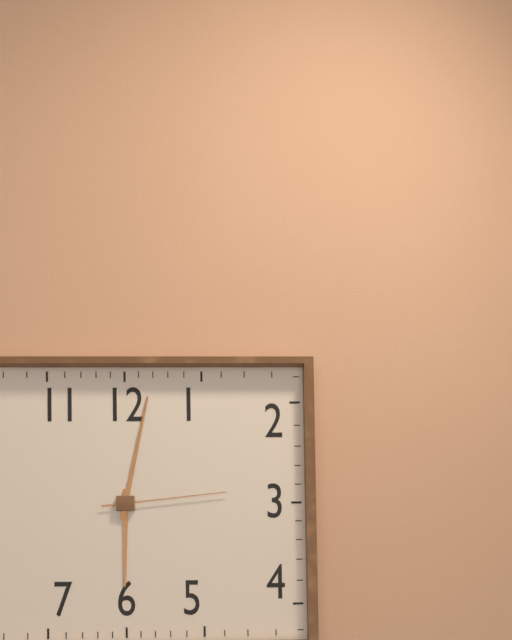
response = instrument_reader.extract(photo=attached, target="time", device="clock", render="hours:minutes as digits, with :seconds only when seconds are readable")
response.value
6:02:14
